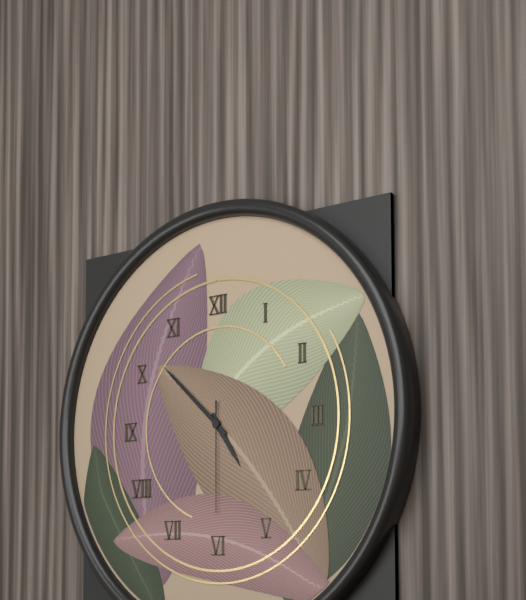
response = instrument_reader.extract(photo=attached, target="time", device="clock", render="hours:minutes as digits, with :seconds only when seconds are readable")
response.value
4:52:30
